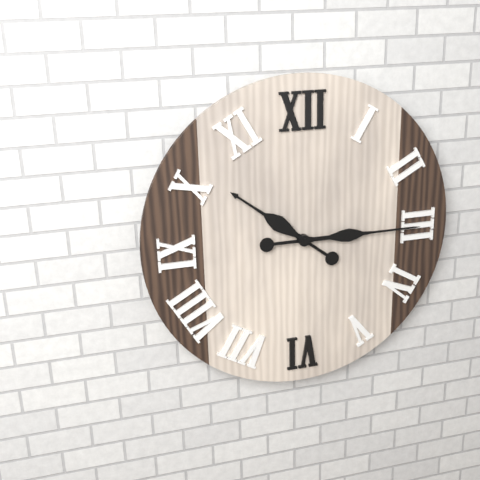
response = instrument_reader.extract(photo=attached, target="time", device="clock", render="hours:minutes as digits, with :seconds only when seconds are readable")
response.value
10:15
